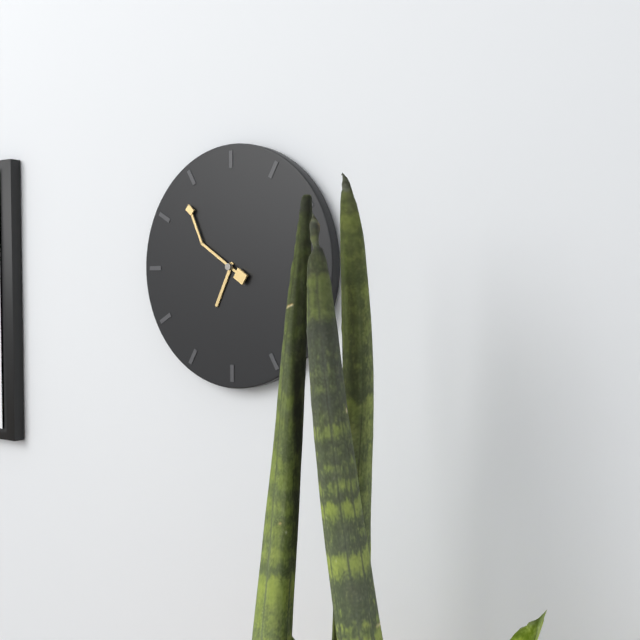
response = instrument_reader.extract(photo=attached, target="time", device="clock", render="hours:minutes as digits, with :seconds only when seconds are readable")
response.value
6:53
